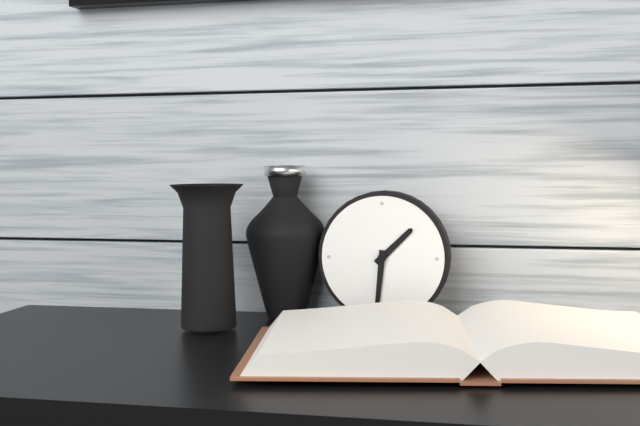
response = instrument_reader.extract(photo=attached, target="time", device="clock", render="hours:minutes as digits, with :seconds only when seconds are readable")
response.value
1:31
